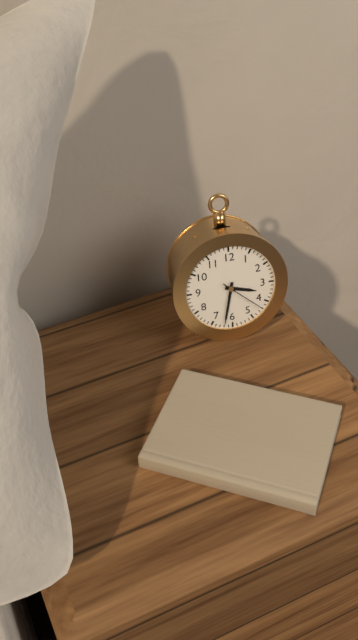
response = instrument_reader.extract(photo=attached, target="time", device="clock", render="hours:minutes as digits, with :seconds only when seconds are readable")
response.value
3:32
